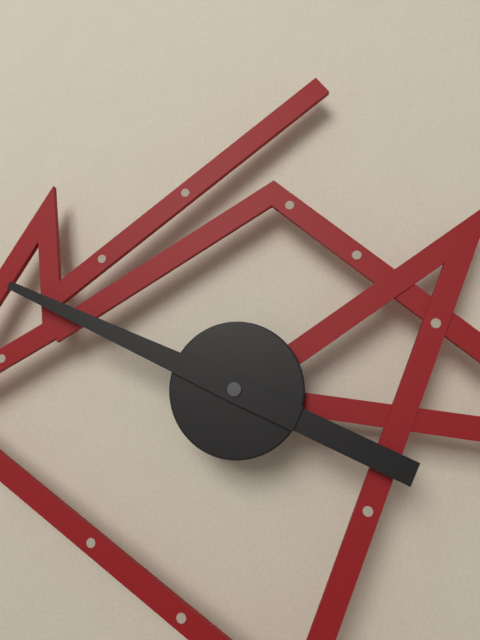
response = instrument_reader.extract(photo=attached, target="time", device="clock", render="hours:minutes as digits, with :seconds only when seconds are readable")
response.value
3:49
